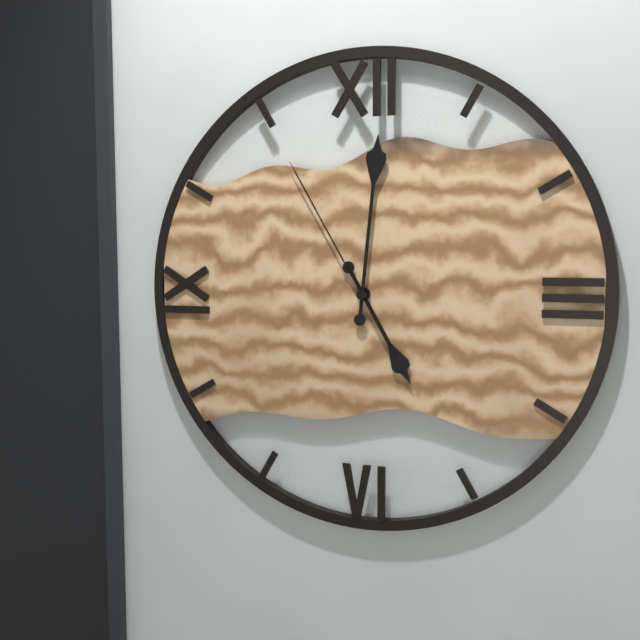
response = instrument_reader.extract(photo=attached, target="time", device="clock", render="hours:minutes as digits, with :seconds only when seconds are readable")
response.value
5:01:55
